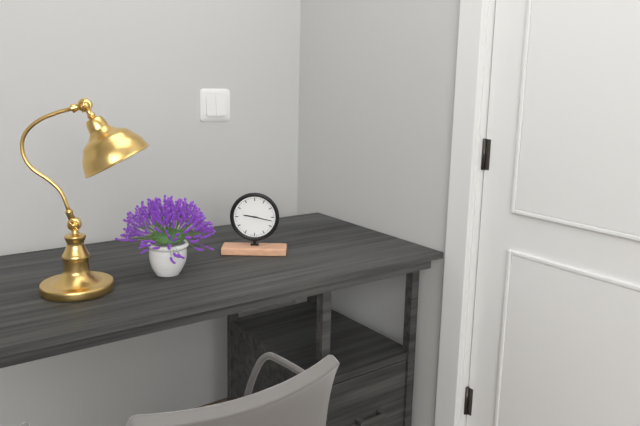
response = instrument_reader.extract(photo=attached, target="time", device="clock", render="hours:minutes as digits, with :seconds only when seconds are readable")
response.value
9:17
